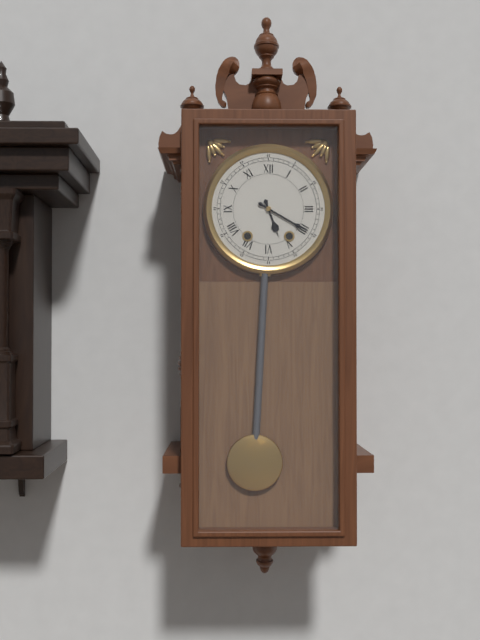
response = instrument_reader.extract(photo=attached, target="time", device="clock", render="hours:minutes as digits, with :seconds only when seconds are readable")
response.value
5:20
